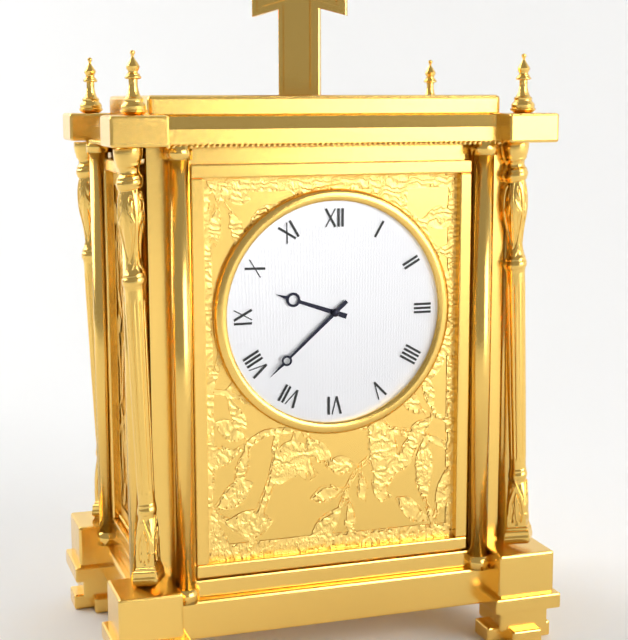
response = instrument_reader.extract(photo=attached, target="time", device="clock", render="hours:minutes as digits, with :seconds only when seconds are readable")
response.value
9:38
